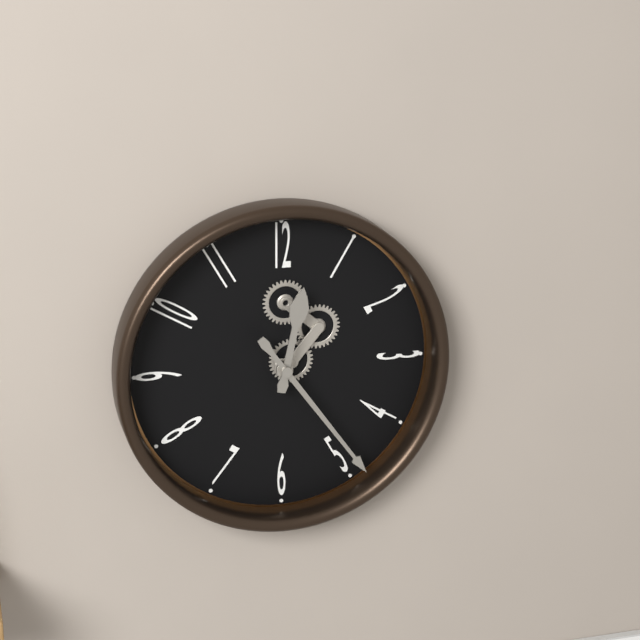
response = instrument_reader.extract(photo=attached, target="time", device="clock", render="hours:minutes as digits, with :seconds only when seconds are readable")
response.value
12:24
